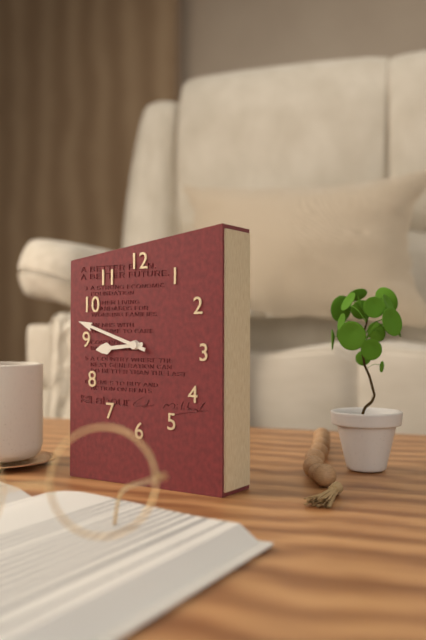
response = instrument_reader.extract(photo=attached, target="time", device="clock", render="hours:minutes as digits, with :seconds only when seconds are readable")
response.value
8:48
